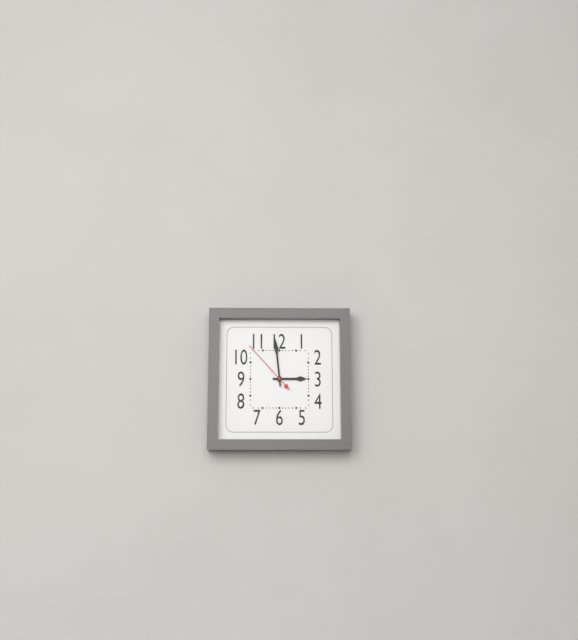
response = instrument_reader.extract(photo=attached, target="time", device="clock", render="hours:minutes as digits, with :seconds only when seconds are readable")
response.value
2:59:53
